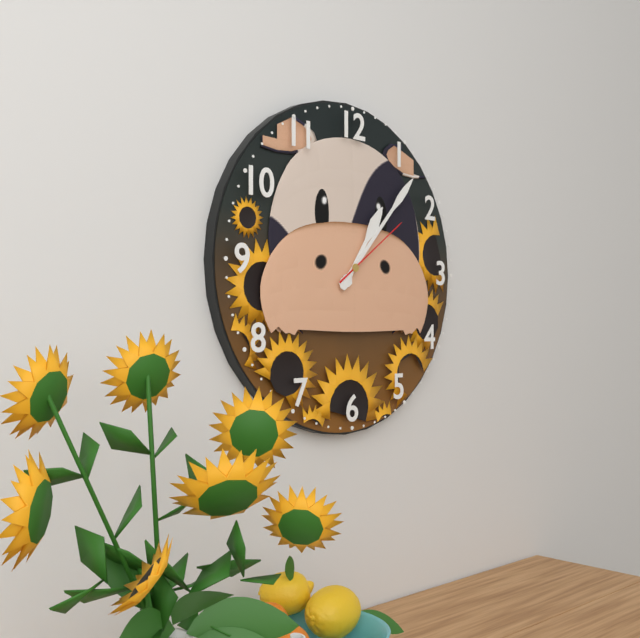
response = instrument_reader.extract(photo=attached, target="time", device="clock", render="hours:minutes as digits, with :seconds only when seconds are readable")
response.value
1:07:09
